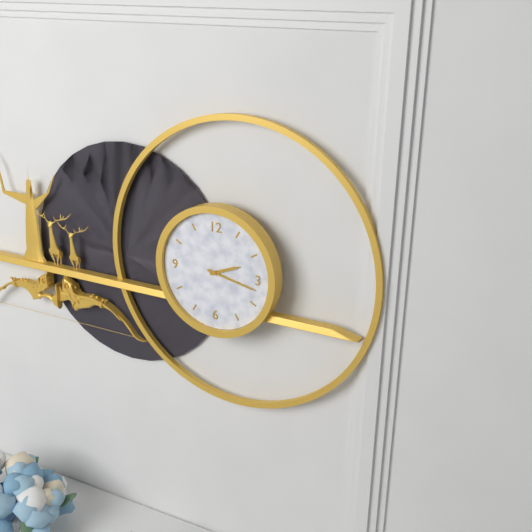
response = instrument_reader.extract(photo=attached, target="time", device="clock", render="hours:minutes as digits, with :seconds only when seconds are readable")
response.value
2:17
